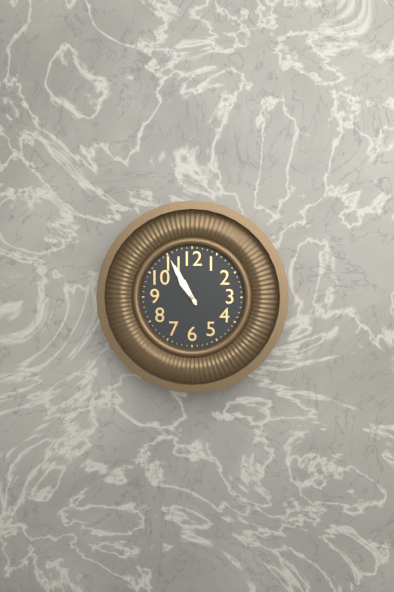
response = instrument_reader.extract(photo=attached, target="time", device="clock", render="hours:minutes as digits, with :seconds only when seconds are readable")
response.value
10:55
